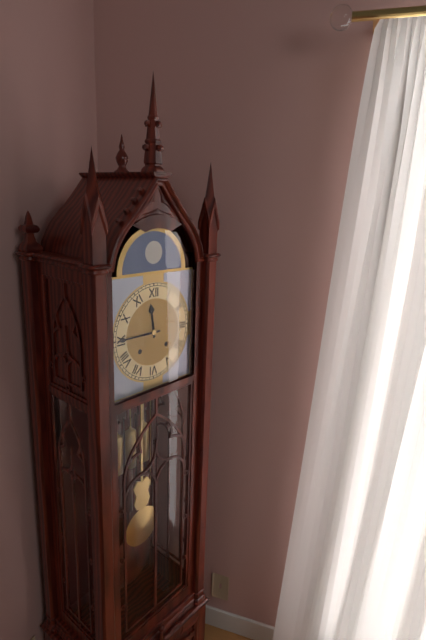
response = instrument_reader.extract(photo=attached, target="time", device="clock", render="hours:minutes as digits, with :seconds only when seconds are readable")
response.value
11:45
